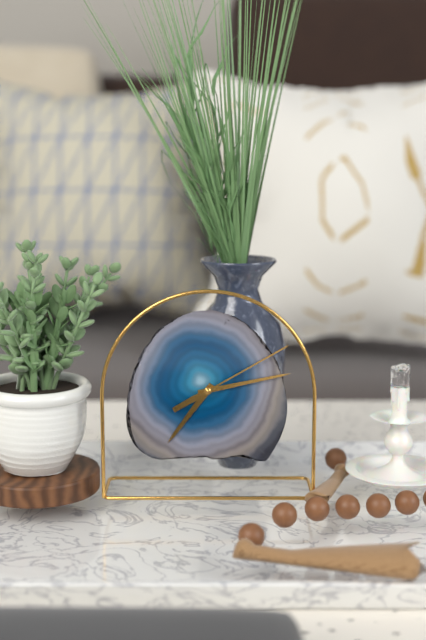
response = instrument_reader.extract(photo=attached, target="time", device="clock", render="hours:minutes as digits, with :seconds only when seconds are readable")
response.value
7:13:10
